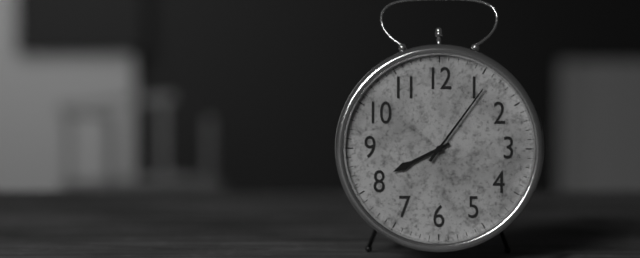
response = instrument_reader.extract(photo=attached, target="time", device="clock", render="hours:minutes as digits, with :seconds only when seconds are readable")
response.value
8:06
